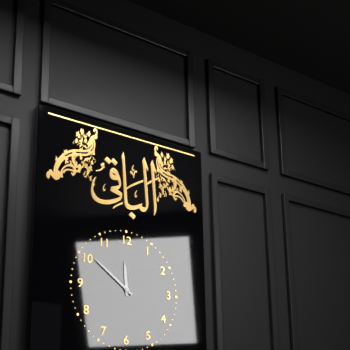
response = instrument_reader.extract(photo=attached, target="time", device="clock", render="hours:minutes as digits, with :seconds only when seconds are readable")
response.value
11:51
